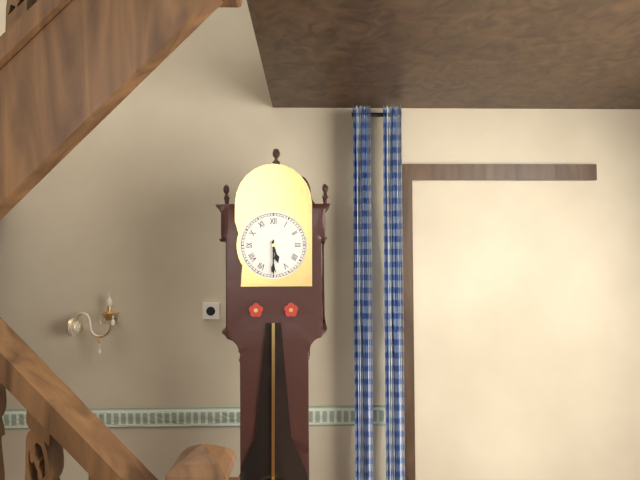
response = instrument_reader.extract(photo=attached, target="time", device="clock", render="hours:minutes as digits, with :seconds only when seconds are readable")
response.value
5:30
